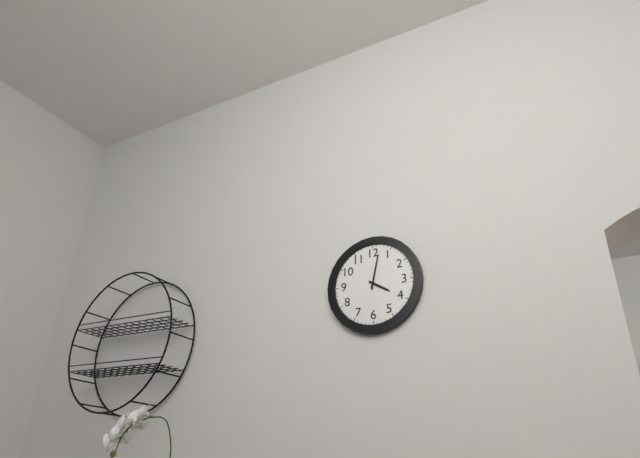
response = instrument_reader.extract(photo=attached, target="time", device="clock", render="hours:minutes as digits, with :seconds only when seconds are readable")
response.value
4:02
